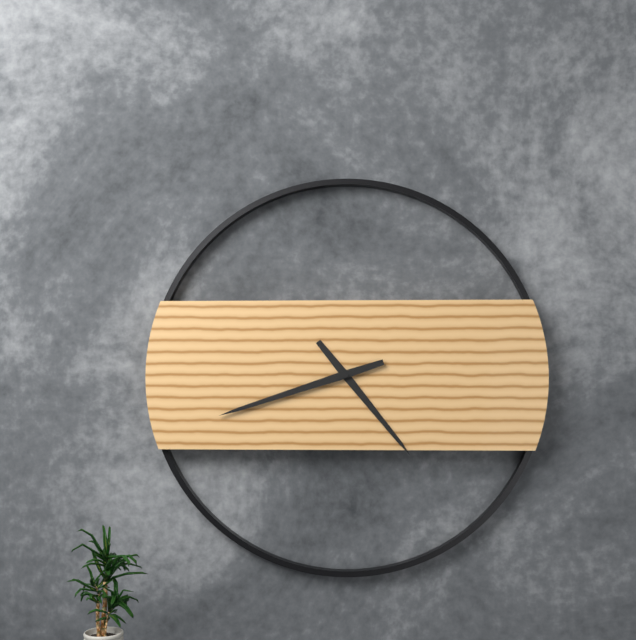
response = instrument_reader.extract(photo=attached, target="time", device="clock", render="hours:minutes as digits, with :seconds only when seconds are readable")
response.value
4:42
